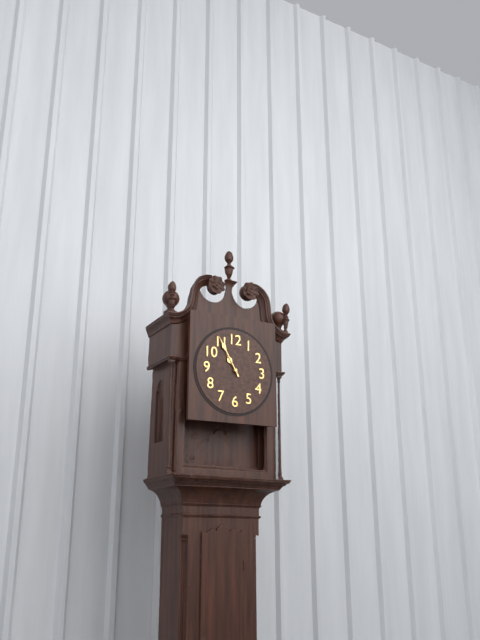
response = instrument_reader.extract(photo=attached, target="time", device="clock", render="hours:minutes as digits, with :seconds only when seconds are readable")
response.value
10:55
